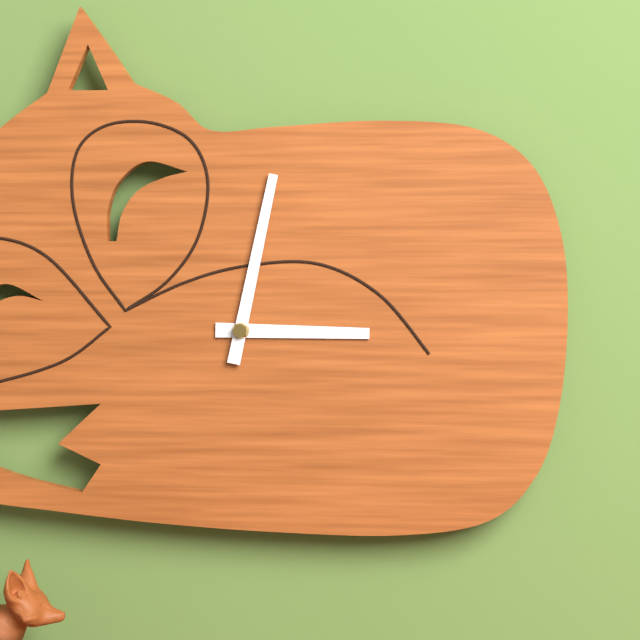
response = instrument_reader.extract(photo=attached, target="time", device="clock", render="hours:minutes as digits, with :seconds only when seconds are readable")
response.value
3:02
